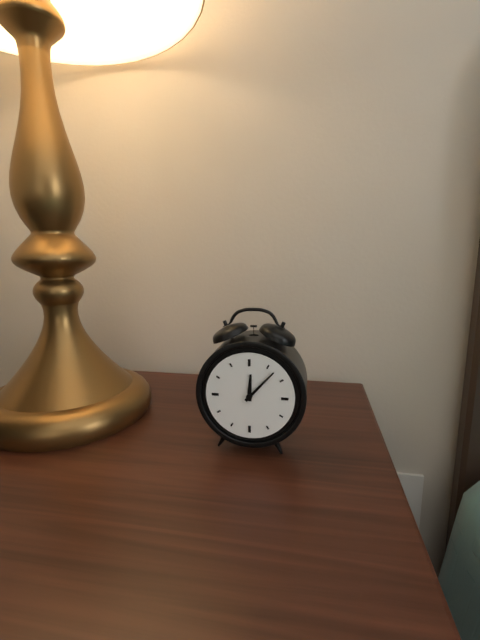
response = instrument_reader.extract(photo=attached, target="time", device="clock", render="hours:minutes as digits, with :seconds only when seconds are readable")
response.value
12:07
